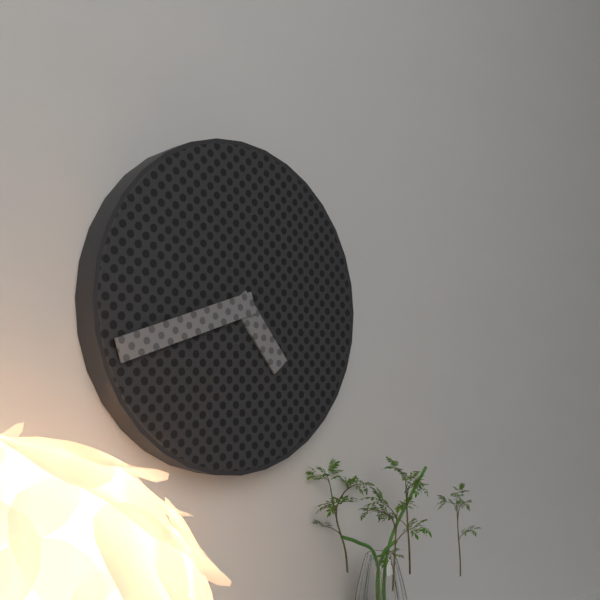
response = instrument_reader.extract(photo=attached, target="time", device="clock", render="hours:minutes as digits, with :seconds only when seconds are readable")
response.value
4:42
